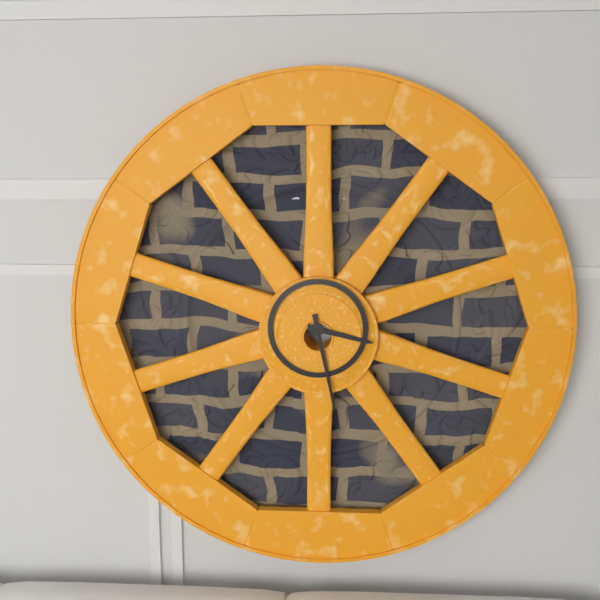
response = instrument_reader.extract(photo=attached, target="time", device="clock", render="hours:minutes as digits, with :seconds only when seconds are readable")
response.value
3:28
